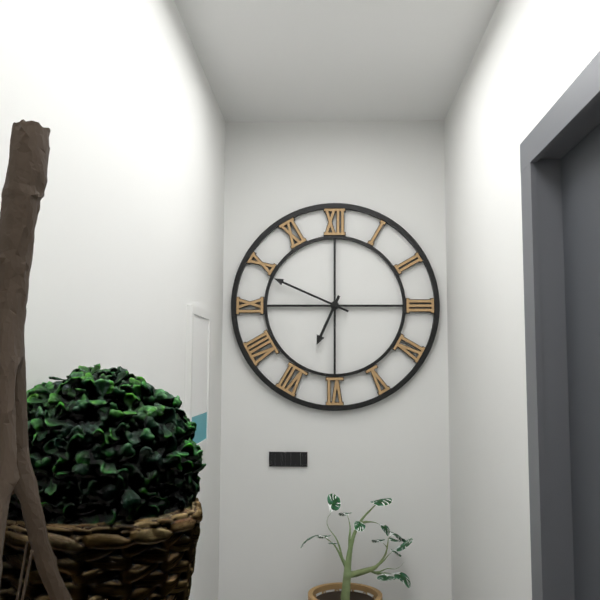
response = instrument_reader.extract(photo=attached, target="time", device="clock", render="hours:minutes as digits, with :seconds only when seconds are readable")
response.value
6:49
